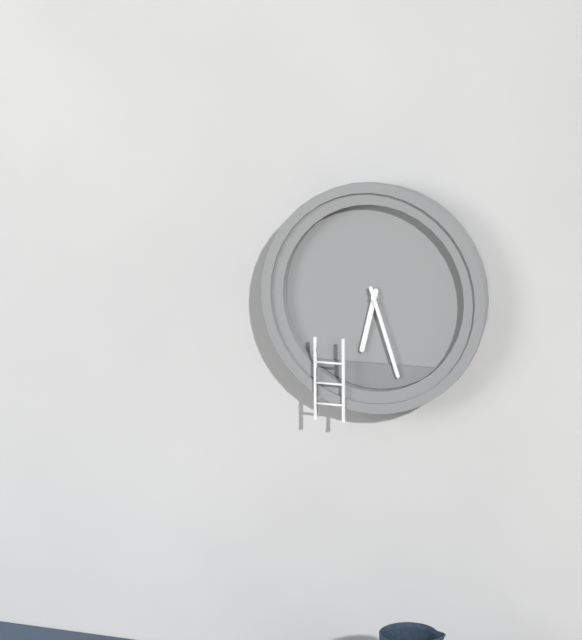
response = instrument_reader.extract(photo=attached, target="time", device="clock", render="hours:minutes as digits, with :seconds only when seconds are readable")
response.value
6:27
